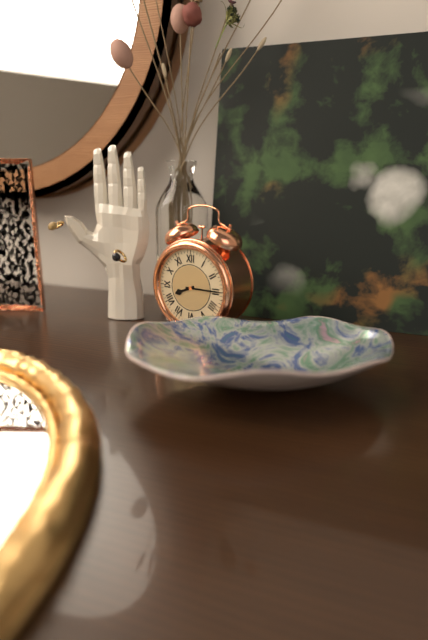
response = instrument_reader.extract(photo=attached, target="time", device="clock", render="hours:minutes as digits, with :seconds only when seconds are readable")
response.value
8:15
